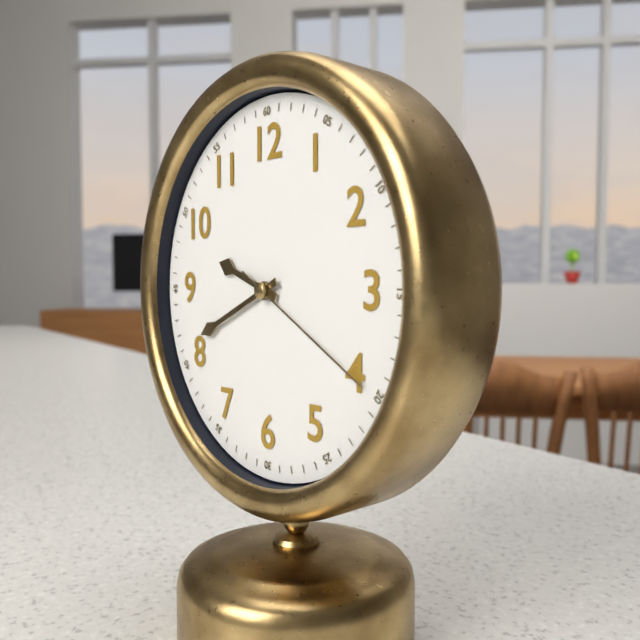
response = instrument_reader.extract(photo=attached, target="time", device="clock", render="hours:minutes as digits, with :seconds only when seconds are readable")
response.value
9:41:20
